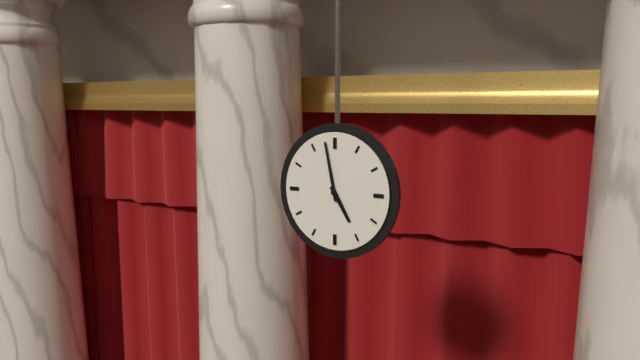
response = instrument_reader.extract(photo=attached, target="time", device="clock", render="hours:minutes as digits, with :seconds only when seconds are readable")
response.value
4:58
